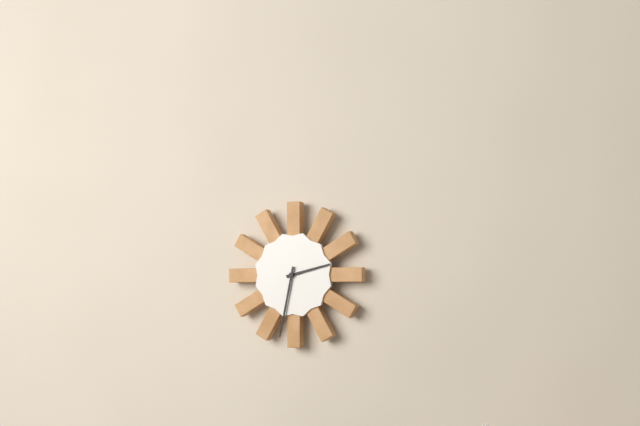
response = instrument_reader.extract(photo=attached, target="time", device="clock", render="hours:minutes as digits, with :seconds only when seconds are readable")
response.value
2:32
